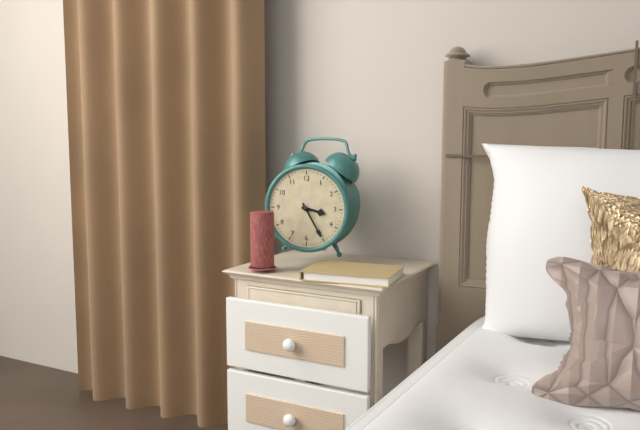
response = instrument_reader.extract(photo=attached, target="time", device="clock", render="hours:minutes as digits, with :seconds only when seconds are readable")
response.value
3:25
